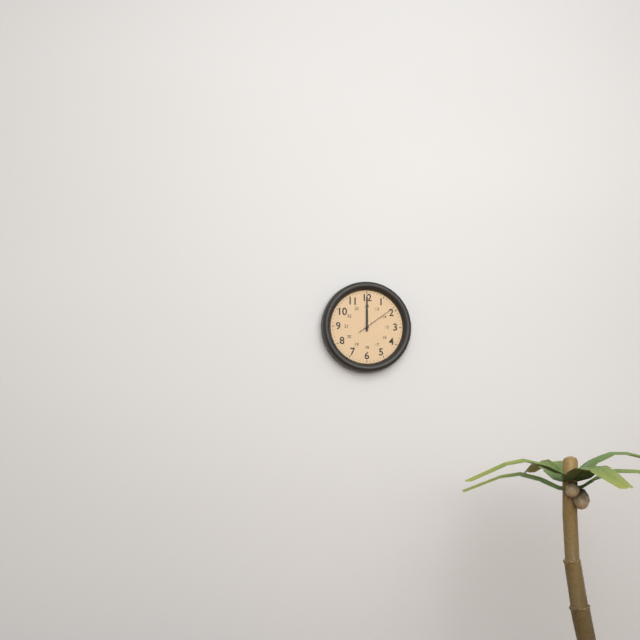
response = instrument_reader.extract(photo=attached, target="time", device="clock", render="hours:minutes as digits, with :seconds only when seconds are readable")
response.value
12:00
